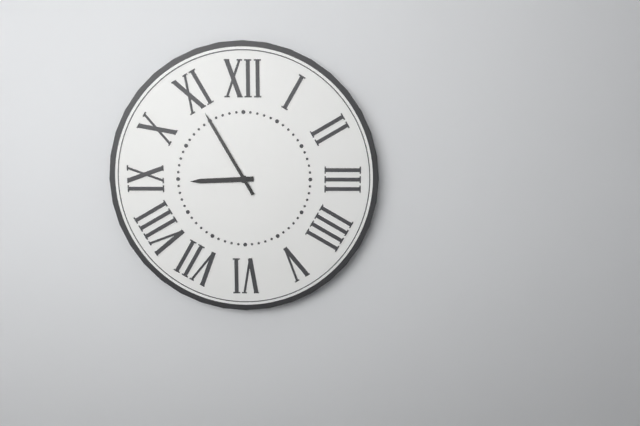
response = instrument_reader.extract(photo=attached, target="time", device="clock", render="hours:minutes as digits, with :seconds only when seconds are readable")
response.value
8:55
